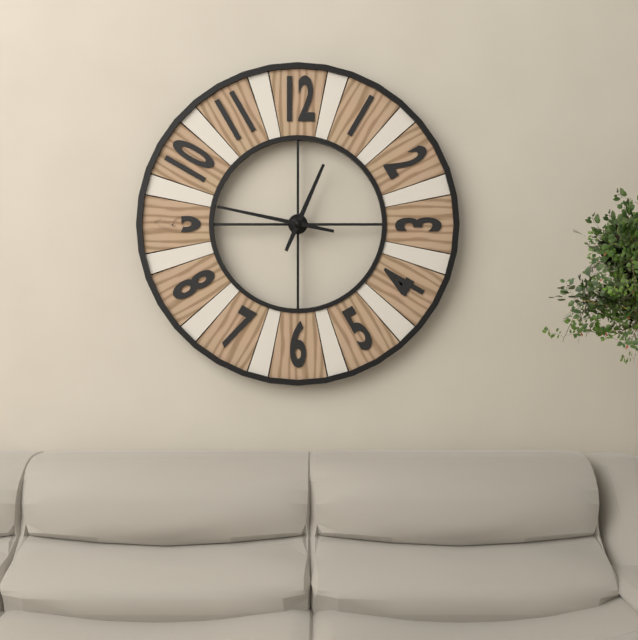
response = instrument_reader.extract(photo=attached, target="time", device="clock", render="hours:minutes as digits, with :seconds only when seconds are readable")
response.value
12:47
